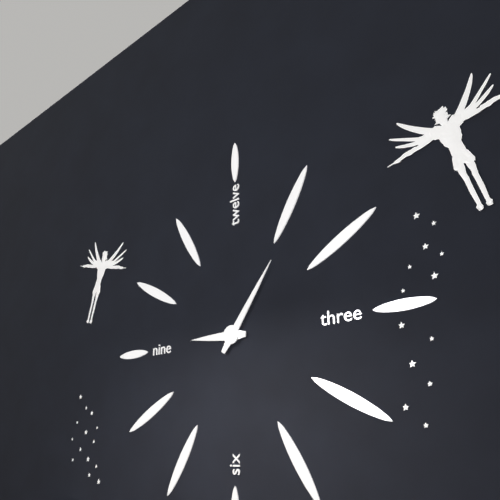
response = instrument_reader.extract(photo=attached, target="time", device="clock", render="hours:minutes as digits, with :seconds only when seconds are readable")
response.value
9:06
